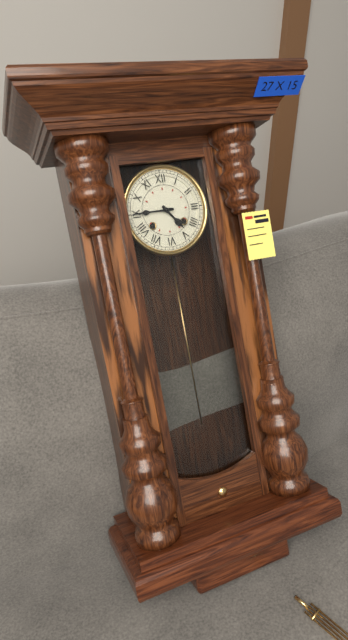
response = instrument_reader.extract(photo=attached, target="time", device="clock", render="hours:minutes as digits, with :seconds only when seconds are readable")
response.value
4:45
